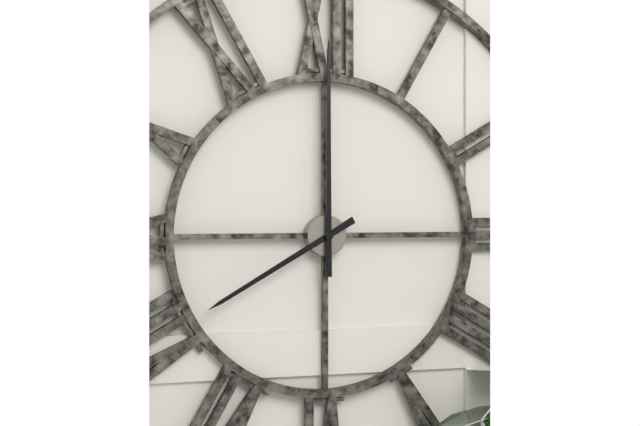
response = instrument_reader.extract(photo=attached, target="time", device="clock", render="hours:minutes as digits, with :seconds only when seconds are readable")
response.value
8:00
